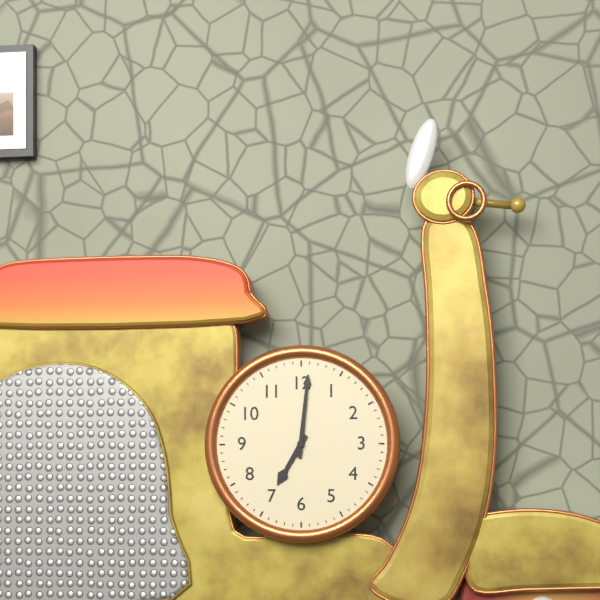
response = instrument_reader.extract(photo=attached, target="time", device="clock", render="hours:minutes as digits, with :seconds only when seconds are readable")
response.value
7:01
